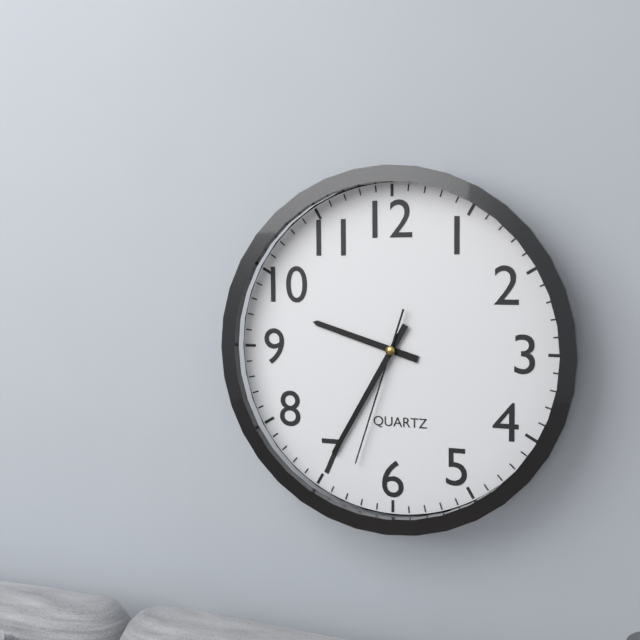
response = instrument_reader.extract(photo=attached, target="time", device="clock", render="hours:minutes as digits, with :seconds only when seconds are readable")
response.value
9:35:33
